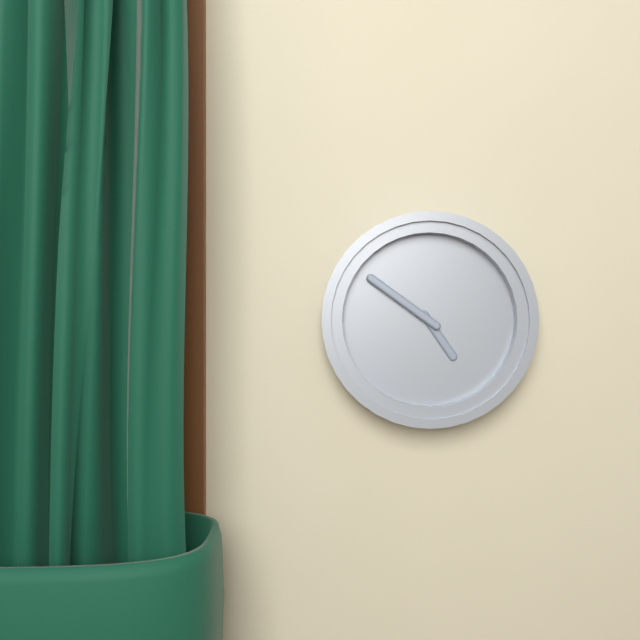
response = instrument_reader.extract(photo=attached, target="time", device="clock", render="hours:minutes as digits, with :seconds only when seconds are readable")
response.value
4:51
